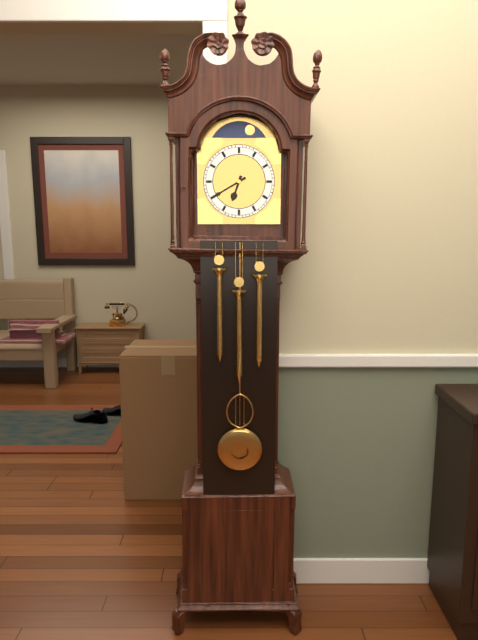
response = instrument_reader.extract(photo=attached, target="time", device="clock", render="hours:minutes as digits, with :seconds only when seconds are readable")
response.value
6:40
